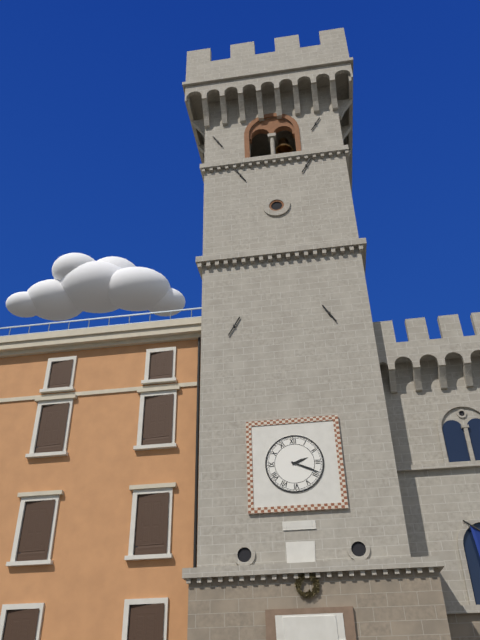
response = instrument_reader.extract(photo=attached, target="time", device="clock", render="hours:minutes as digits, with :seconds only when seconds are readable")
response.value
2:19
